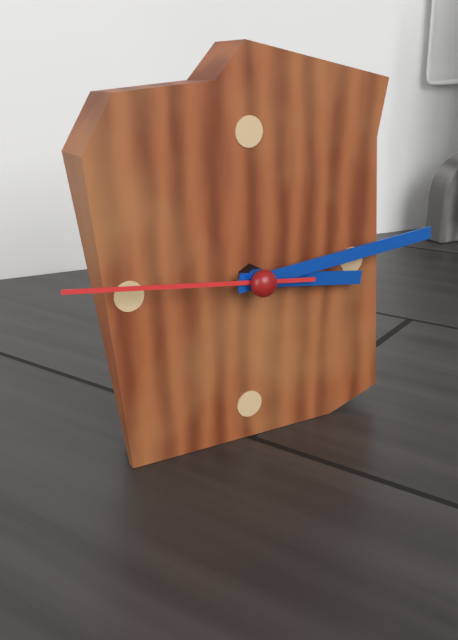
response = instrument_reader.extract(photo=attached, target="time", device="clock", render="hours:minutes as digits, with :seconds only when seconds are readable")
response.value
3:14:46
